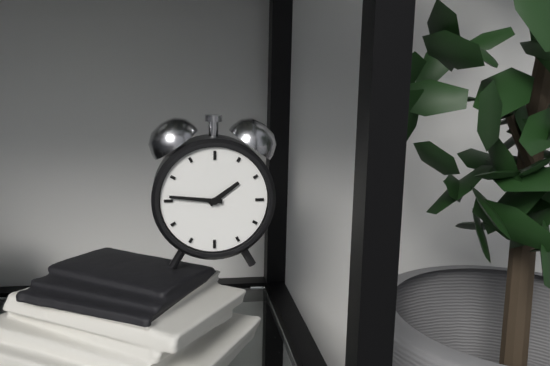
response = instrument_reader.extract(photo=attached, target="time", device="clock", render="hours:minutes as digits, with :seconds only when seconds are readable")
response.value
1:46
